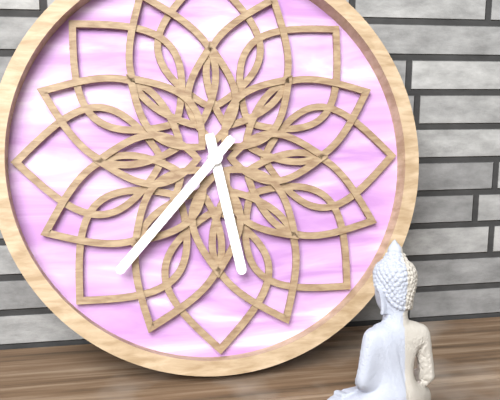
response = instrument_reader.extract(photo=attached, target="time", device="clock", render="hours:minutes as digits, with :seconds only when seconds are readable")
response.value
5:37
